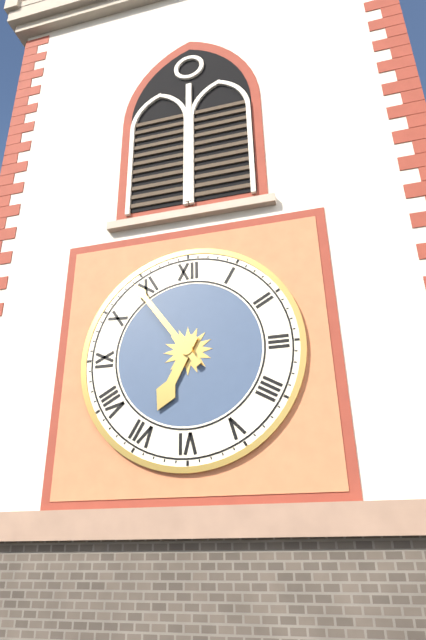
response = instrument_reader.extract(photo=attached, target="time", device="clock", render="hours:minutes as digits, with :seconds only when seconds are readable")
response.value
6:54
